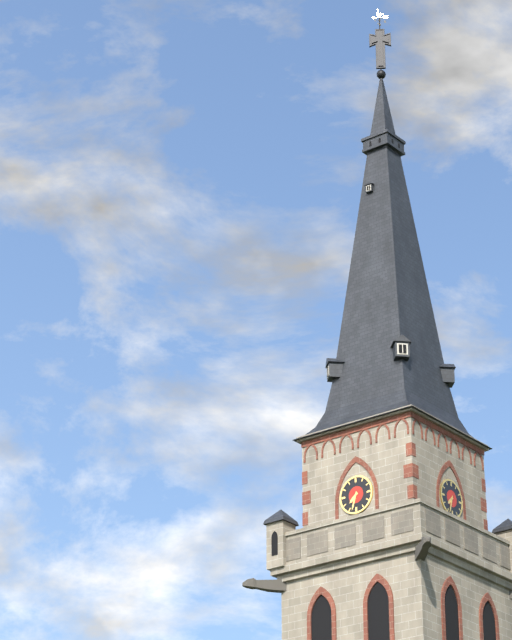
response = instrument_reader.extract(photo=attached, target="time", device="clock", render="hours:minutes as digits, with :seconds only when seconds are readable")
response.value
7:33
